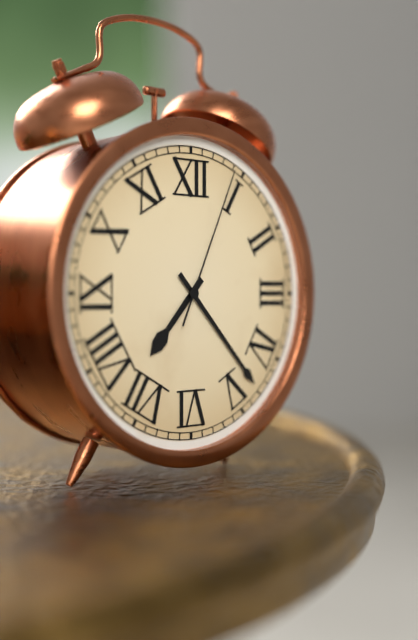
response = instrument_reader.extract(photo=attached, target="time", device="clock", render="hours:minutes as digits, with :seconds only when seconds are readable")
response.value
7:23:04
